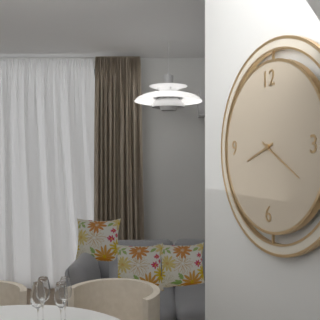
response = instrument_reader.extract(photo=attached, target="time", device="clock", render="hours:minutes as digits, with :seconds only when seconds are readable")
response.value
8:20
